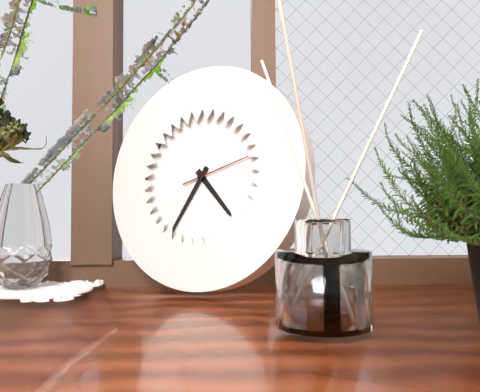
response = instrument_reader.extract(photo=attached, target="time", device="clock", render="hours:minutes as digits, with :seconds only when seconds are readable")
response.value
4:35
